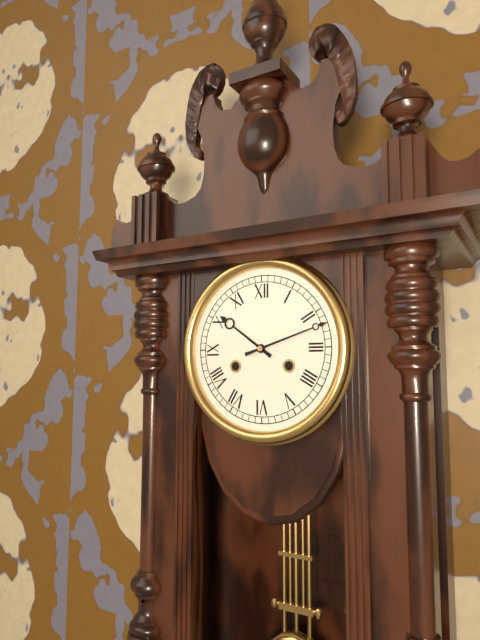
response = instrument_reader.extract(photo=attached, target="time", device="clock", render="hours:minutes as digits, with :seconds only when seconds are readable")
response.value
10:12
